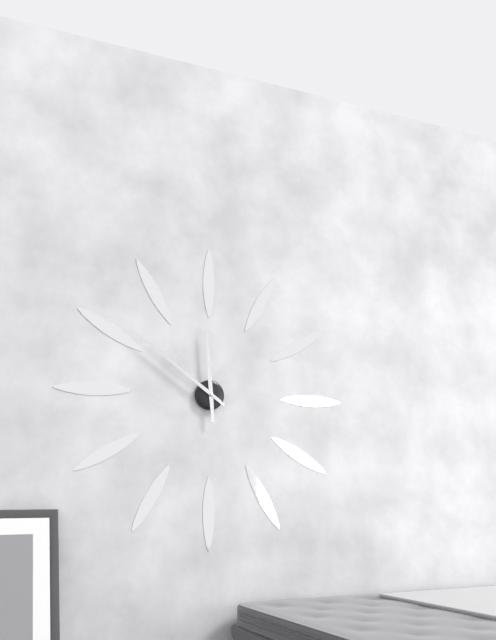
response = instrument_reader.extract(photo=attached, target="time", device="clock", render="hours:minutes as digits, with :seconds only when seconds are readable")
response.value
11:51
